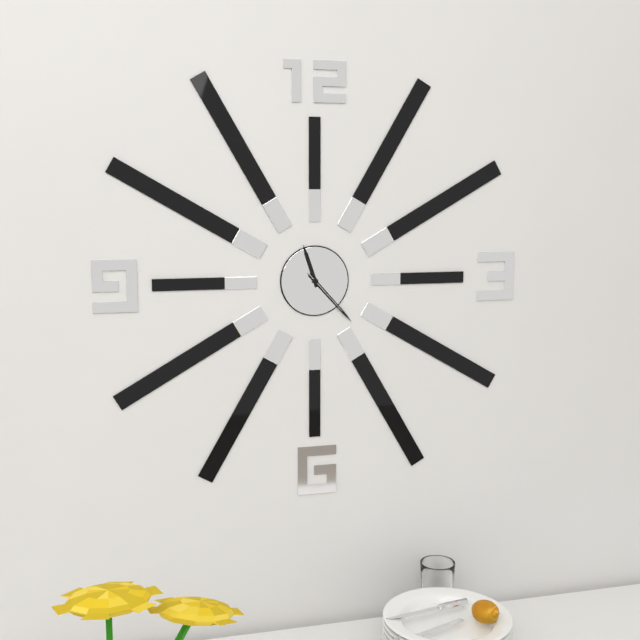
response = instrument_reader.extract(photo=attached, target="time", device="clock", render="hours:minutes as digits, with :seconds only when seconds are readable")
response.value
11:23:23
